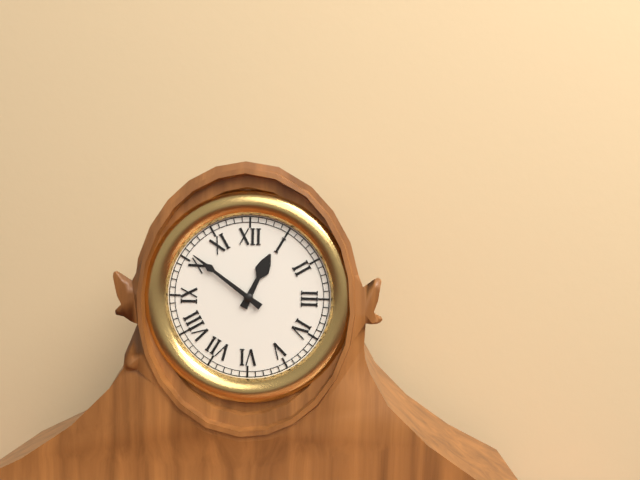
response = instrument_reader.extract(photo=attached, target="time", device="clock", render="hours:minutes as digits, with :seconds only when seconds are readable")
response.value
12:51
